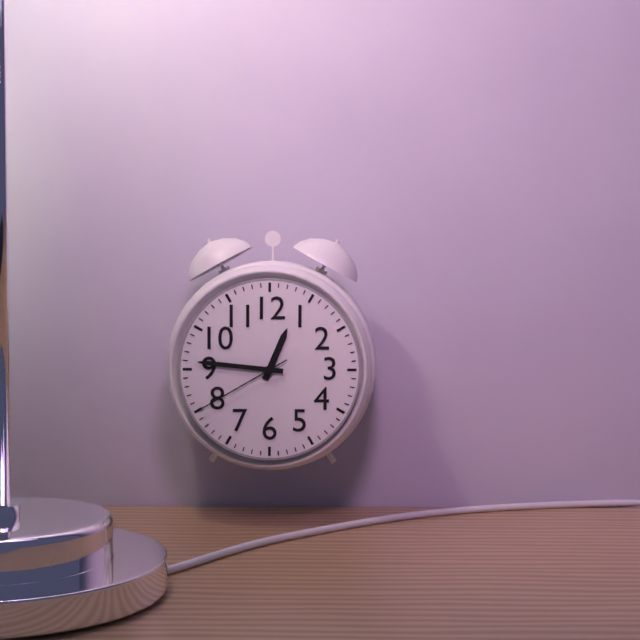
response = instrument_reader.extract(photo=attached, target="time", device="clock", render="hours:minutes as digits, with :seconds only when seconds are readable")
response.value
12:46:40
